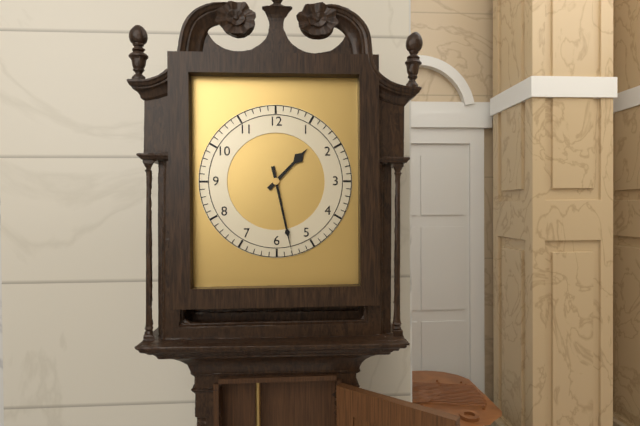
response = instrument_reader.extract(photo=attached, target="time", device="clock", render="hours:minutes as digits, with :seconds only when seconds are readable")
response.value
1:28
